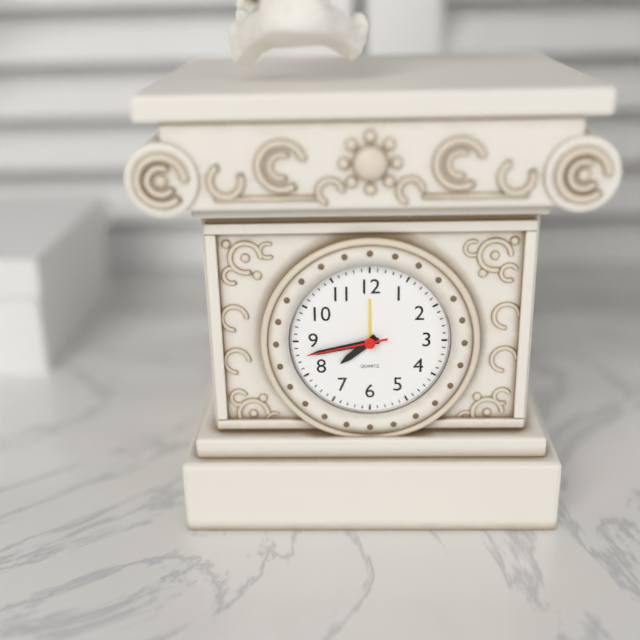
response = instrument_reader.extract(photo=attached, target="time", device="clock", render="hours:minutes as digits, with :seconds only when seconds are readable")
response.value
7:43:43
